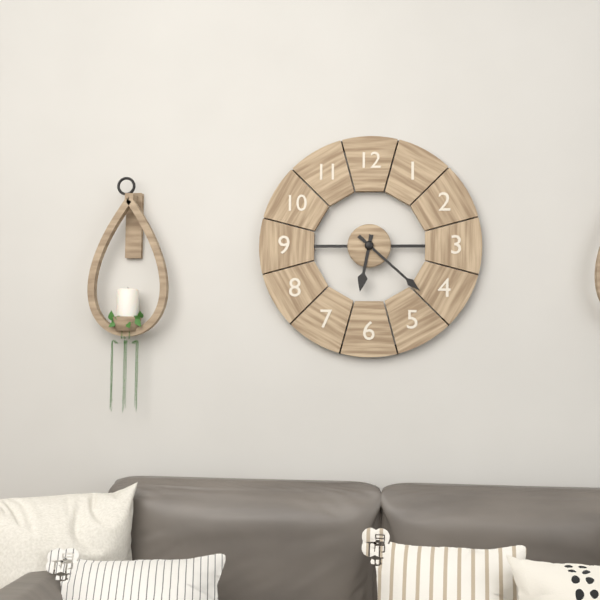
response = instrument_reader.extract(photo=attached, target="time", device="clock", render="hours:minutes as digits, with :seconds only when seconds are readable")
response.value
6:22
